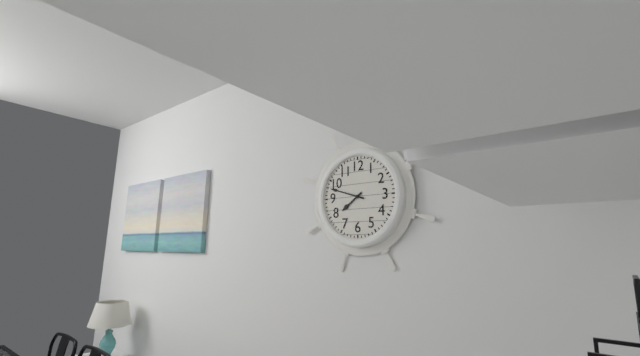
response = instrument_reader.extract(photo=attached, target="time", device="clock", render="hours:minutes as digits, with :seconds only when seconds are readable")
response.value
7:48
